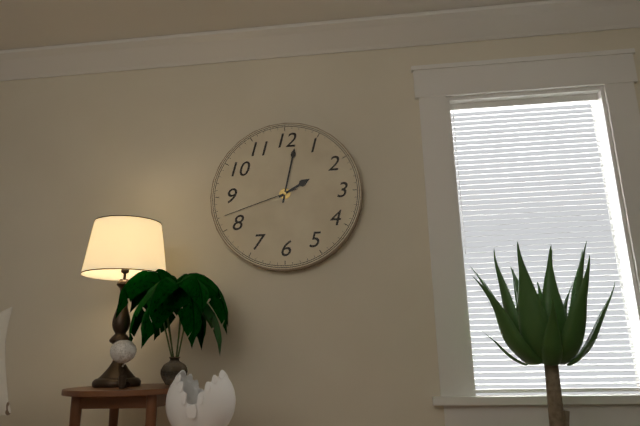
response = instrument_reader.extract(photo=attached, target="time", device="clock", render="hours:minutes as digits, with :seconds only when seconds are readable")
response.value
2:02:42
